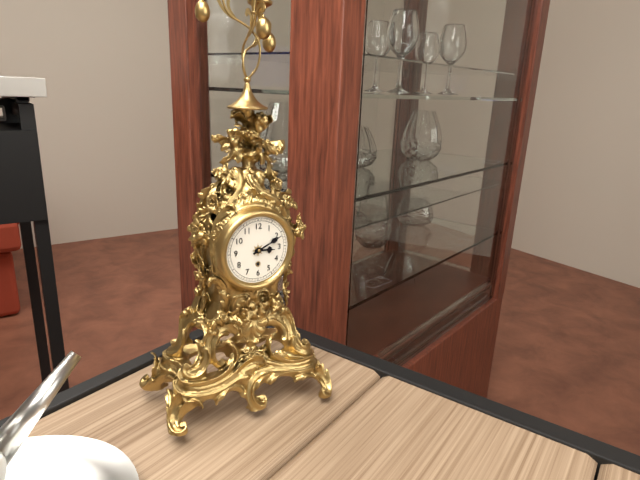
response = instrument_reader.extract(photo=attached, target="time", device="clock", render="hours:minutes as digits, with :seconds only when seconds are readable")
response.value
3:11
